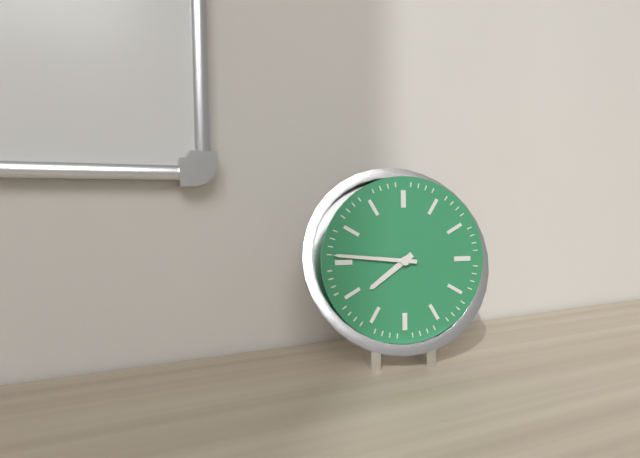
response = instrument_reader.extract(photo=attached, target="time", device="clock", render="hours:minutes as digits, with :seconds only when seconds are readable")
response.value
7:46
